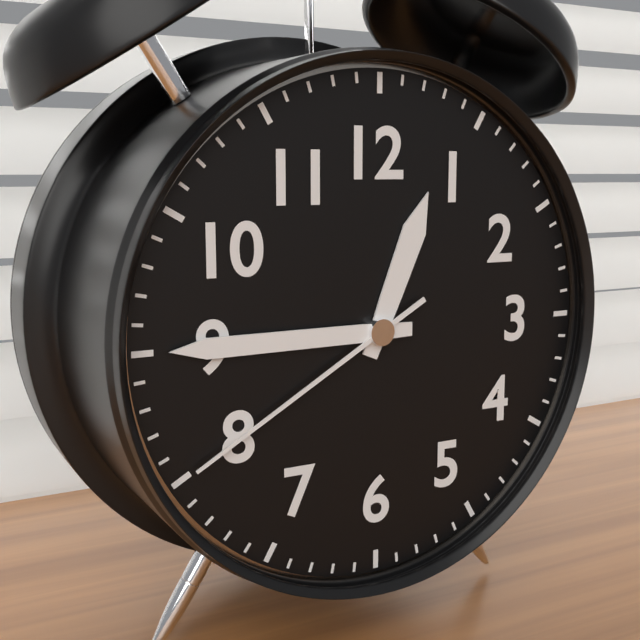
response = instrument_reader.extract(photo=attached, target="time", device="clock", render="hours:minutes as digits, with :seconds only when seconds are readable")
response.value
12:45:40
